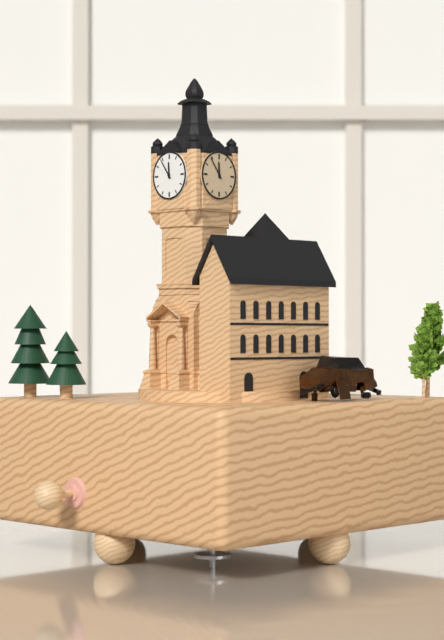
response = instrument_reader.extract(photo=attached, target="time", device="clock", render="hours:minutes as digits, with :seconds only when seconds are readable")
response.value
11:54
